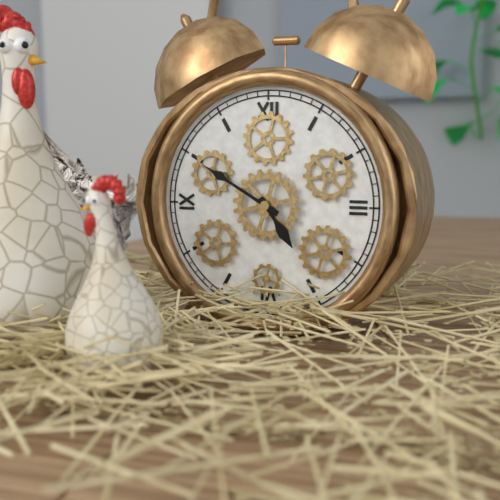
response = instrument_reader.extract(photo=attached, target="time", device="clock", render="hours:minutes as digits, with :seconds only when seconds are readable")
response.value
4:50
